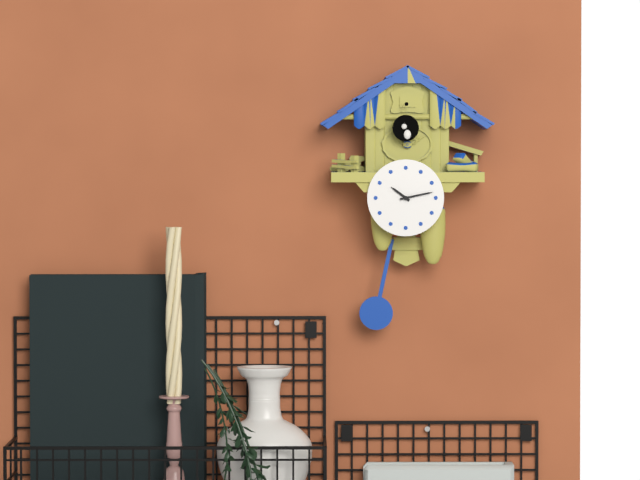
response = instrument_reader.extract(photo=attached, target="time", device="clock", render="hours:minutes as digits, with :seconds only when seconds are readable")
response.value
10:13
